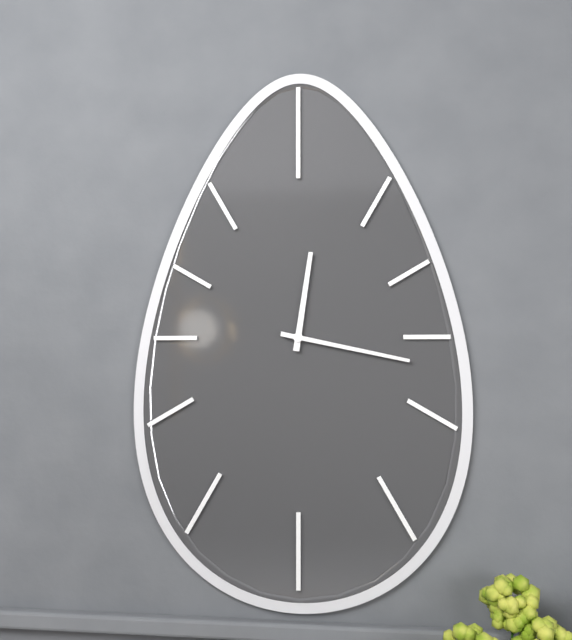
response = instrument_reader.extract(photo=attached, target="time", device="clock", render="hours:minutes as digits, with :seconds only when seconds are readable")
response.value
12:17
